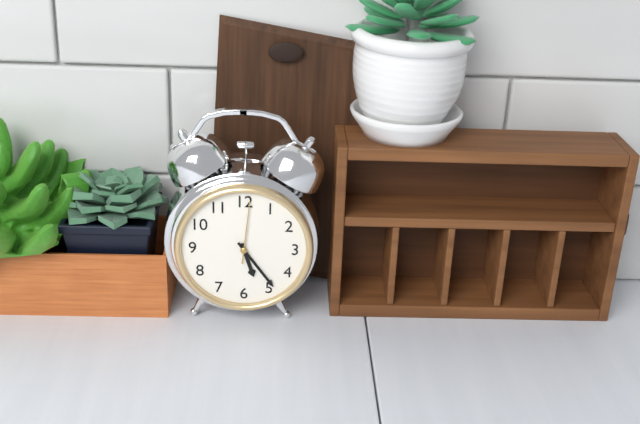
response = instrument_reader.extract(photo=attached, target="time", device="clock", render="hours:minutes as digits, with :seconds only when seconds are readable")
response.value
5:24:01
